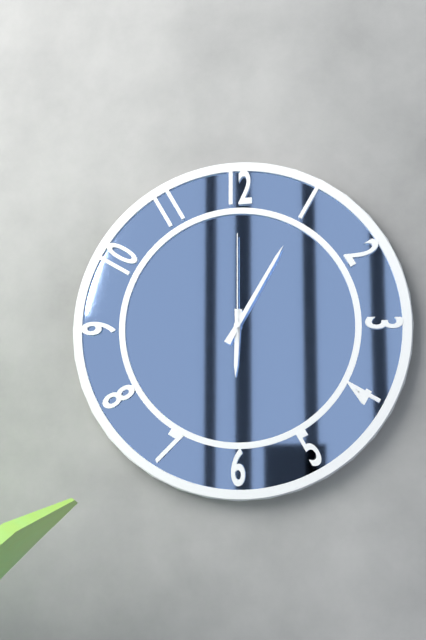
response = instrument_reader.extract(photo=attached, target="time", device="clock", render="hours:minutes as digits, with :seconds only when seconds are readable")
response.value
6:05:00
